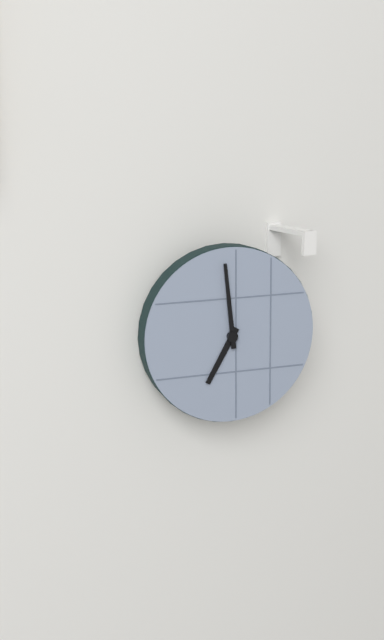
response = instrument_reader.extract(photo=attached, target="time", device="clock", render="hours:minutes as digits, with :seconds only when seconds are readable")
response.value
6:59
